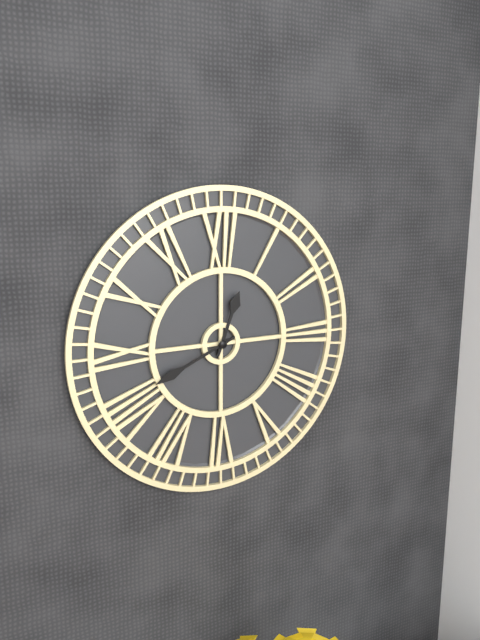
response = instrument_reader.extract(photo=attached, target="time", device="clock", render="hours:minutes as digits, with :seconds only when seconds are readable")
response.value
12:41
